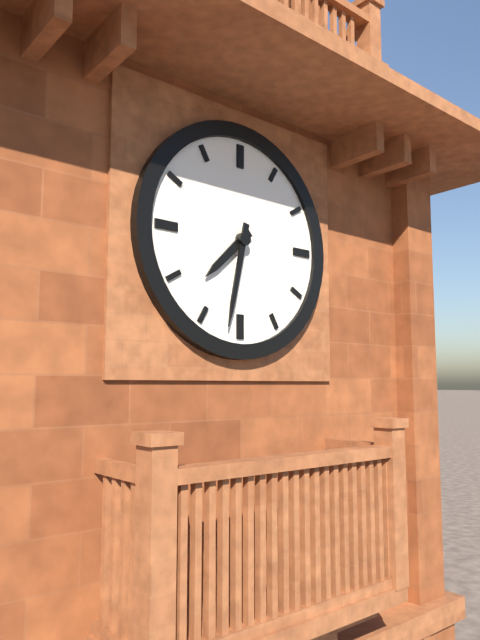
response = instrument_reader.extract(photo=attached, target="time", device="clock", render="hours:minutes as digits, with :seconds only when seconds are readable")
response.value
7:32
